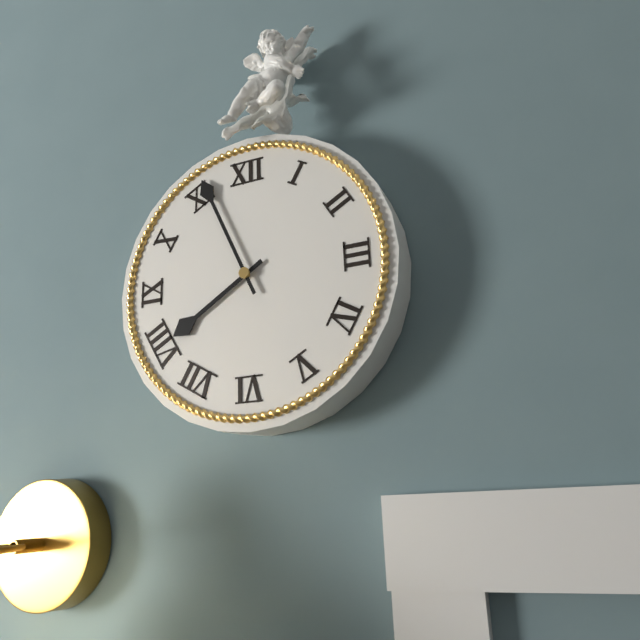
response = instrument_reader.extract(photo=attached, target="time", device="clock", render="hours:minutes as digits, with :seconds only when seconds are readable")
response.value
7:56
